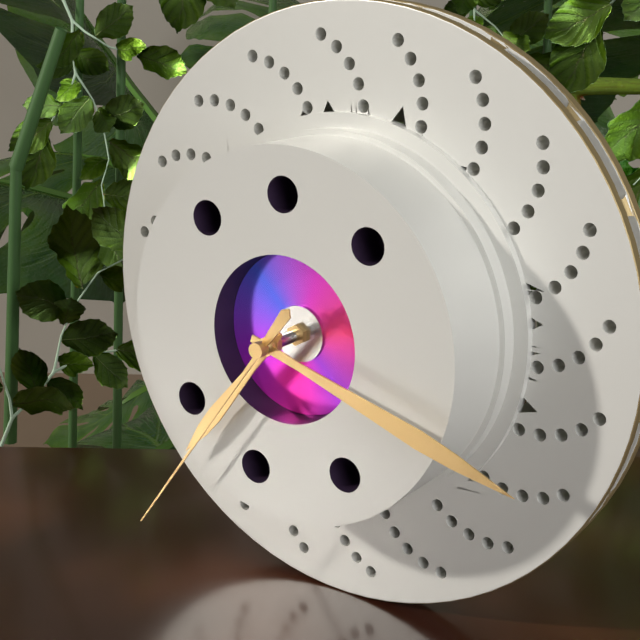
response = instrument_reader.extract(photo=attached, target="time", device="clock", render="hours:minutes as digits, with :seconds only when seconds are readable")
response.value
7:18:36
